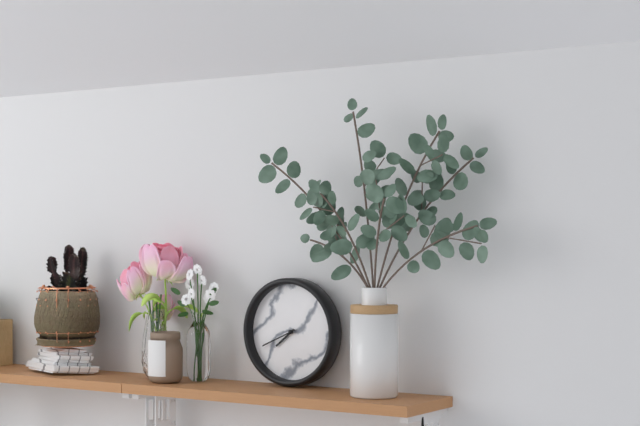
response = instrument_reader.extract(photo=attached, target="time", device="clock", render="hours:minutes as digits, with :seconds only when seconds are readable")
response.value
7:41
